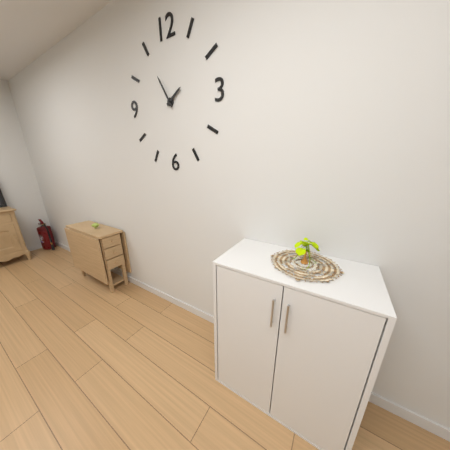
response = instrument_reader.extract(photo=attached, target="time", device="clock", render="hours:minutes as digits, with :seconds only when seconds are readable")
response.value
1:55
